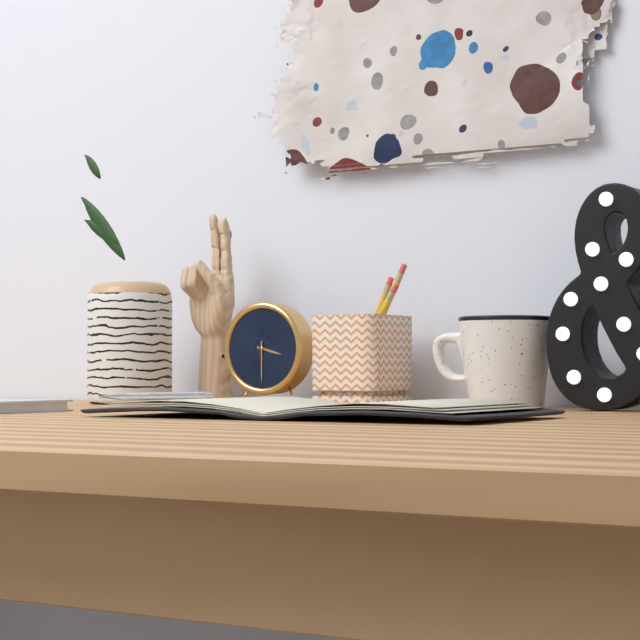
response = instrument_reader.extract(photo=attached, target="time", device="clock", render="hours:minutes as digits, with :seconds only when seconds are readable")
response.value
3:30
